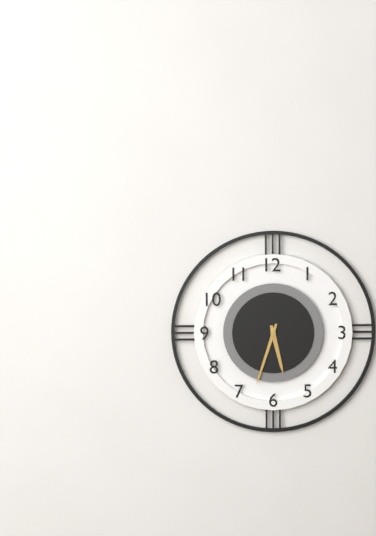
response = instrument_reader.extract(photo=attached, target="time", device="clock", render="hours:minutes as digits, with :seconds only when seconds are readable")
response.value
5:33
